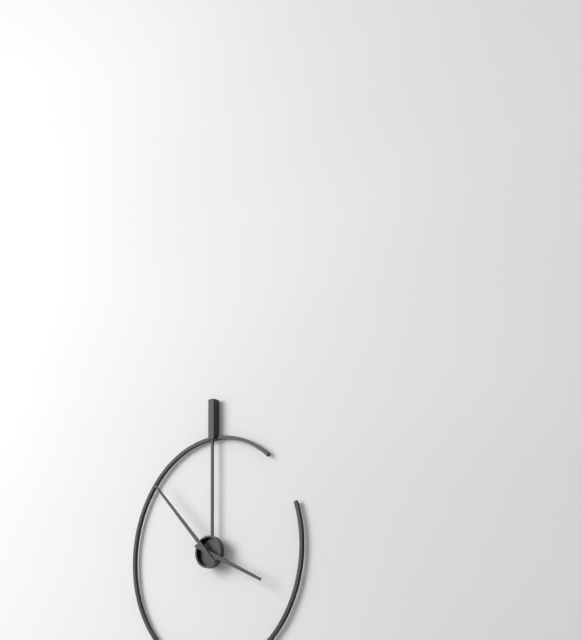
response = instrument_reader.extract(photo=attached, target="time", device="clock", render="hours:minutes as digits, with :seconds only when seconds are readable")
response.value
3:53
